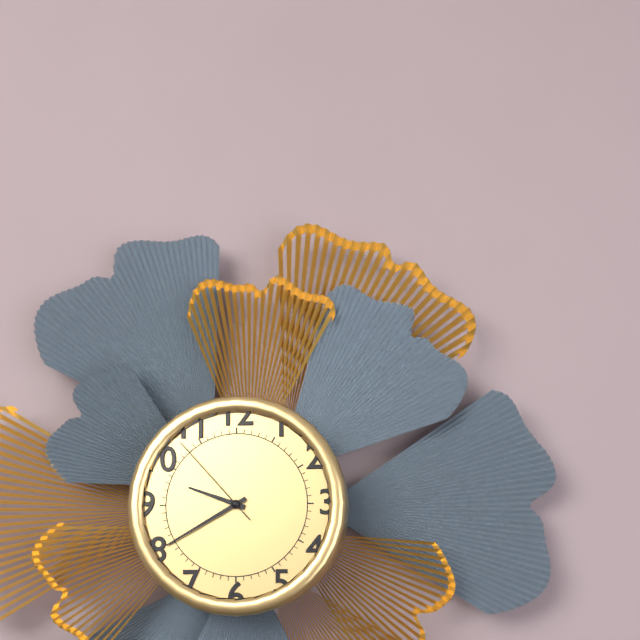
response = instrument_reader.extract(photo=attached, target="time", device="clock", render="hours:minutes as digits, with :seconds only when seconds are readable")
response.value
9:40:53
